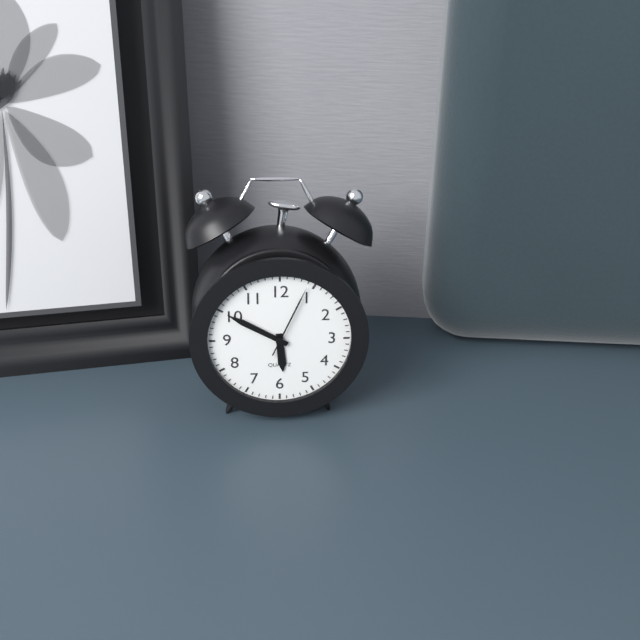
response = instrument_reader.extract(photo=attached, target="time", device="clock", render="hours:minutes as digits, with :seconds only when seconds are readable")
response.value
5:50:04
